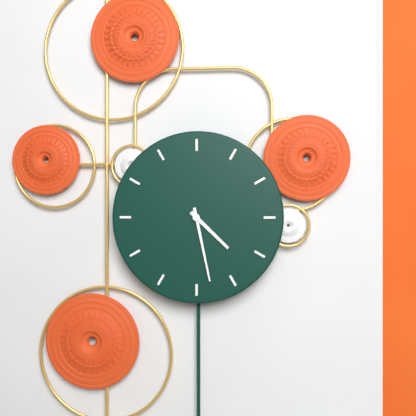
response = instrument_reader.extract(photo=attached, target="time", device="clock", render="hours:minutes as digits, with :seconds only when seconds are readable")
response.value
4:28
